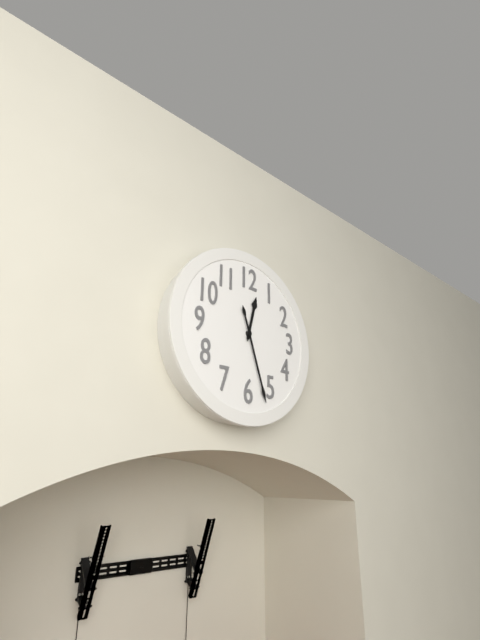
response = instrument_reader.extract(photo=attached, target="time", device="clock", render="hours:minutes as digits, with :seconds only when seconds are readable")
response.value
12:27
